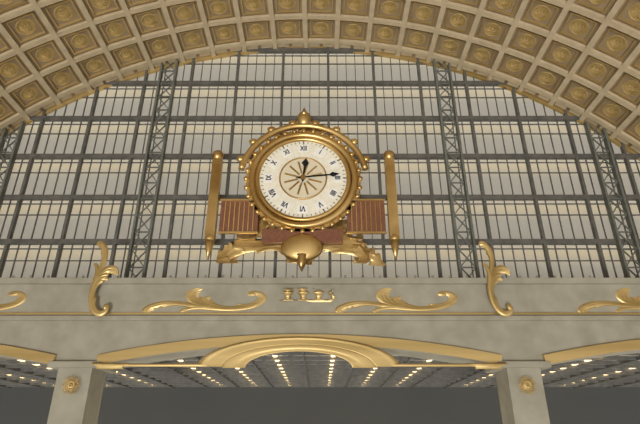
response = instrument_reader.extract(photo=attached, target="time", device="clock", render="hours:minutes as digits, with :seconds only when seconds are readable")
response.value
12:14
